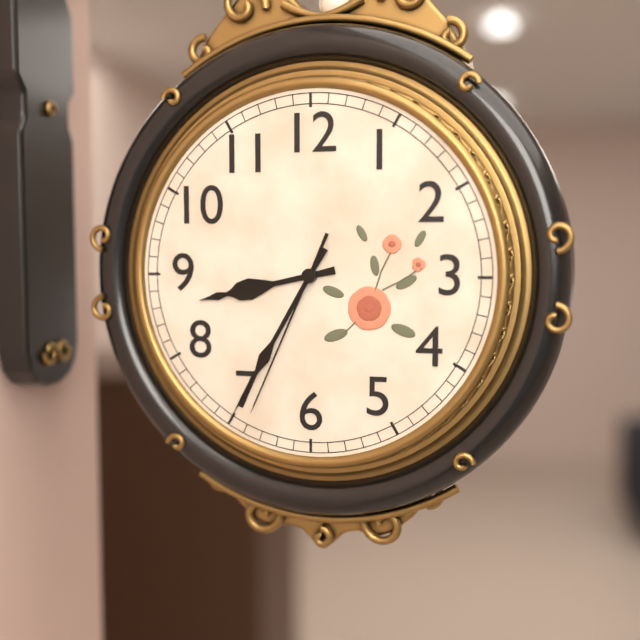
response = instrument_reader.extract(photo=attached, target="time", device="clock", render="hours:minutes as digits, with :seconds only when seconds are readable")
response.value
8:35:34
